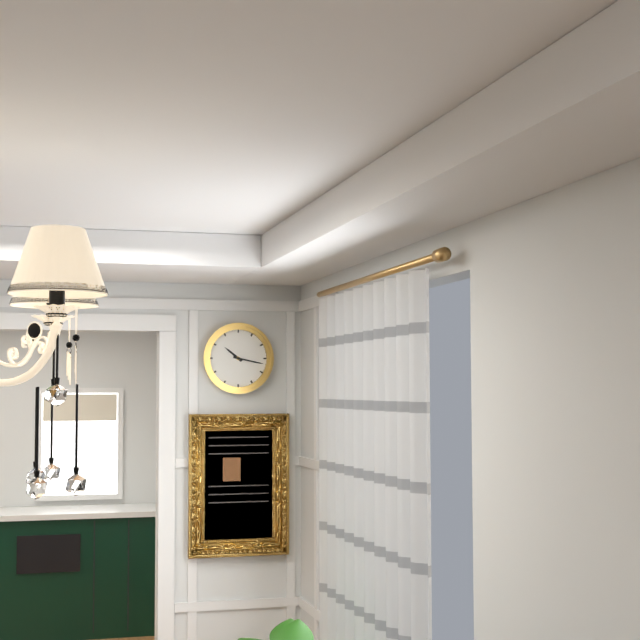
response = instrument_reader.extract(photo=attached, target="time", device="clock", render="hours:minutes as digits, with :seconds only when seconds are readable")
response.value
10:17
